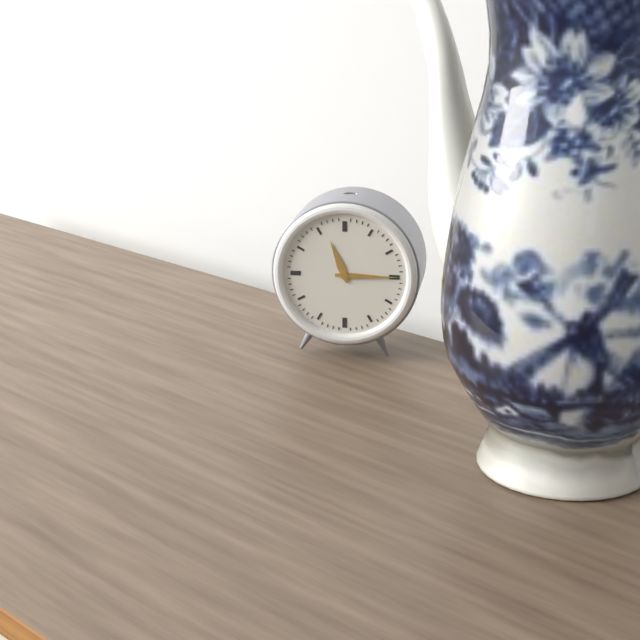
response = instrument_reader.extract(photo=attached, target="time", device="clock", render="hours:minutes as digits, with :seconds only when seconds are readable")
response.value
11:15
